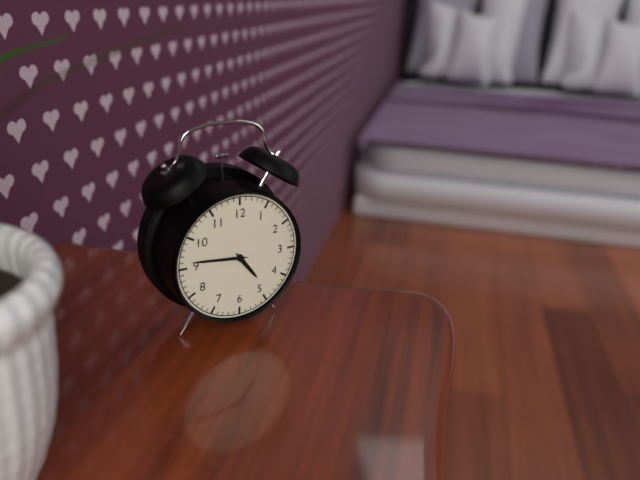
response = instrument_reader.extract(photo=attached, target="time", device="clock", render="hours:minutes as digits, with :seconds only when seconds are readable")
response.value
4:46
